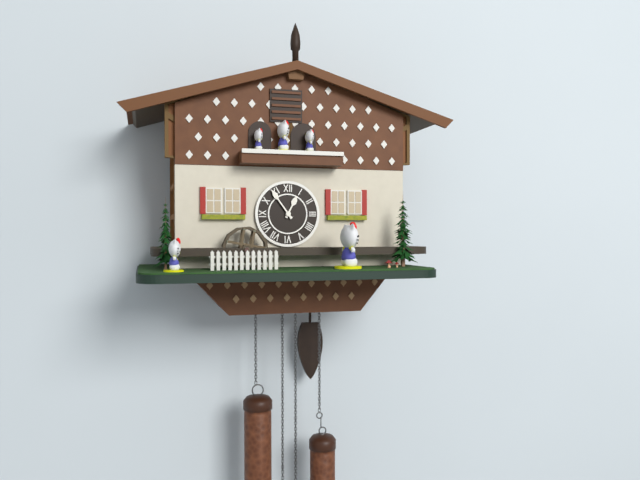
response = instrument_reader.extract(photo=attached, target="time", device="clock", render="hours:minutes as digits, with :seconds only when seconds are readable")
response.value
12:54
